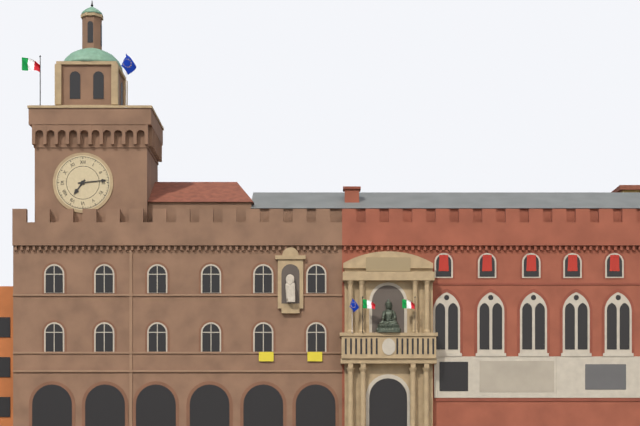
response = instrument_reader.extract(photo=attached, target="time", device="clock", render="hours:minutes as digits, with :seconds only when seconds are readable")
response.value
7:14
